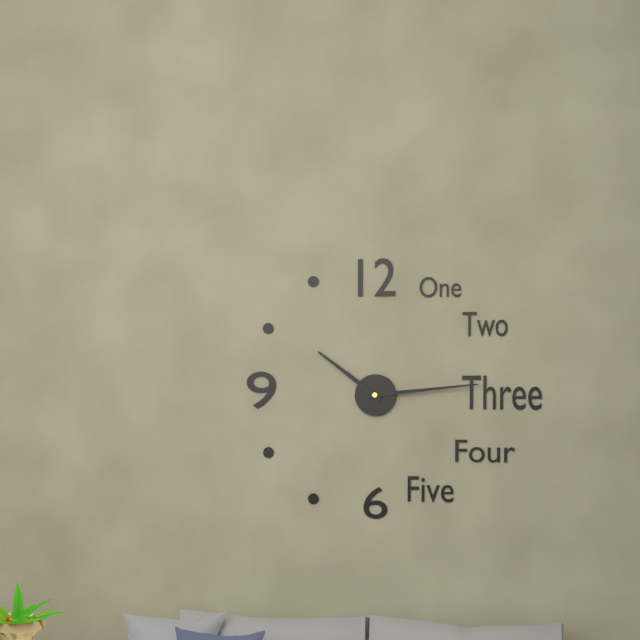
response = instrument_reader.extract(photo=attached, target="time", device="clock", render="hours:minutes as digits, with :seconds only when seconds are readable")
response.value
10:14
